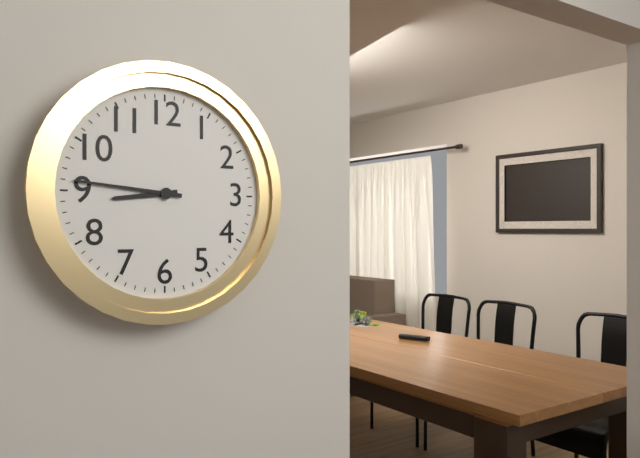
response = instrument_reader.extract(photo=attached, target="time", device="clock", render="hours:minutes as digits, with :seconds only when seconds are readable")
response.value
8:46
